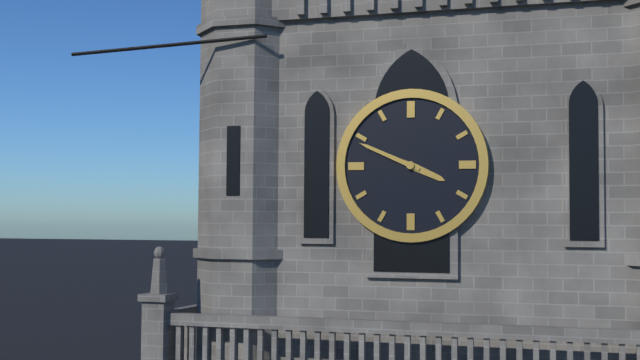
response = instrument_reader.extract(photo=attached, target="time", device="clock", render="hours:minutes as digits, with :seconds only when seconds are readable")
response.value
3:49
